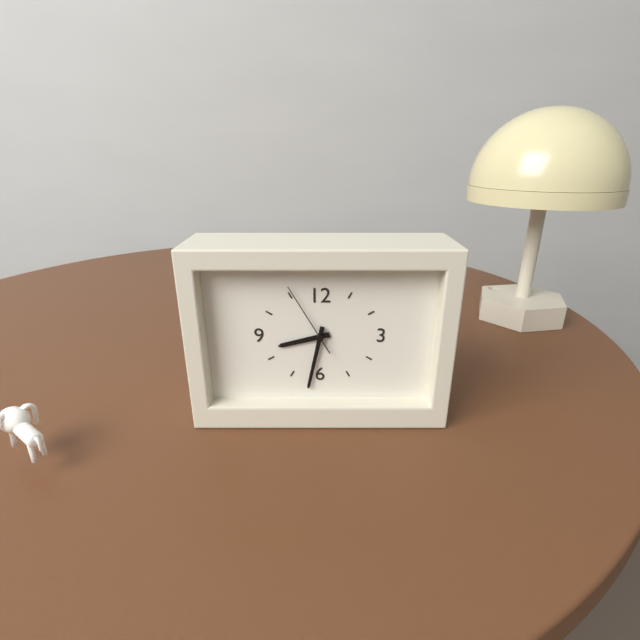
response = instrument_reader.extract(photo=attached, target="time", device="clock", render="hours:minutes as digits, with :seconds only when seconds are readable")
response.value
8:32:55
